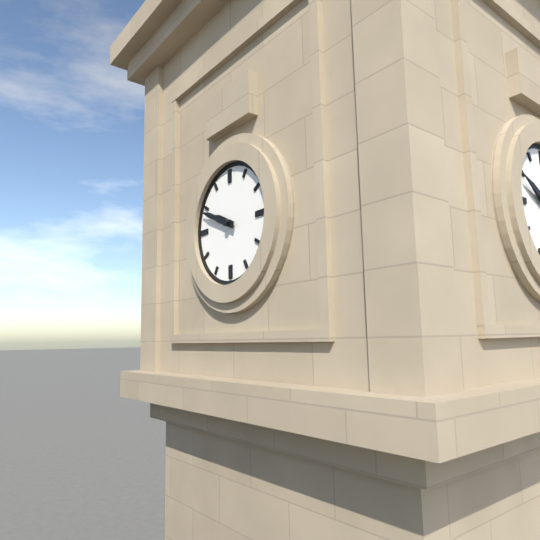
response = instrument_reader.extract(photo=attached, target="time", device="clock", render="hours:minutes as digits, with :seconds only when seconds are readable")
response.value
9:49
